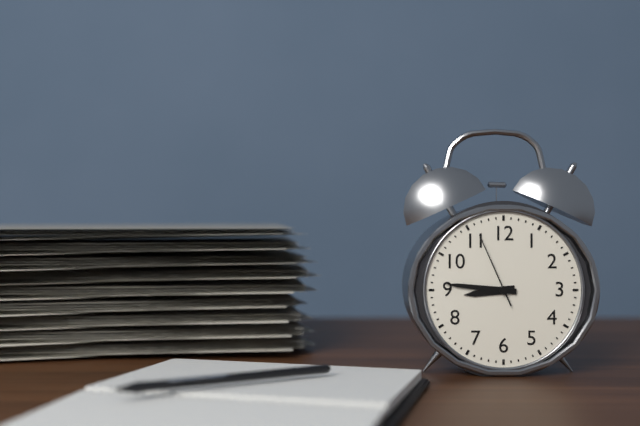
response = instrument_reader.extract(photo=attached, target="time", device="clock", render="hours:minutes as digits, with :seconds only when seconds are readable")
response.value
8:46:56
